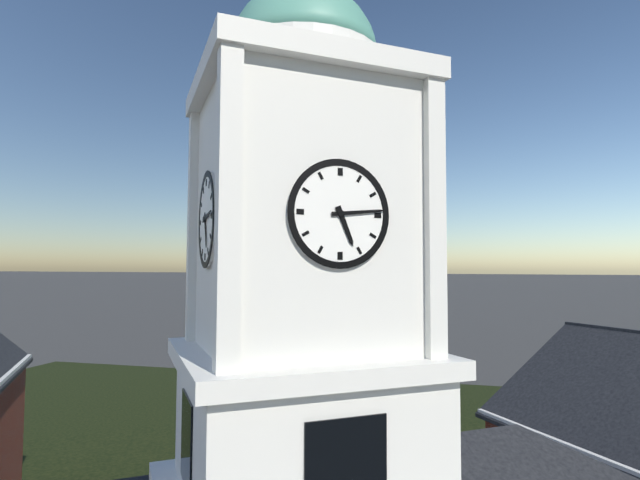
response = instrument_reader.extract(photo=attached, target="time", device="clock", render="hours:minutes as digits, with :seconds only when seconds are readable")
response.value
5:14
